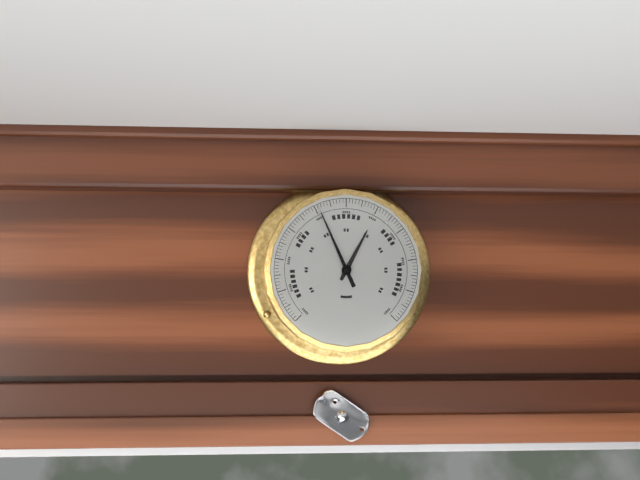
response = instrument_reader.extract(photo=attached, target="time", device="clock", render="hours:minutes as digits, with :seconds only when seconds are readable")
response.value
12:56
